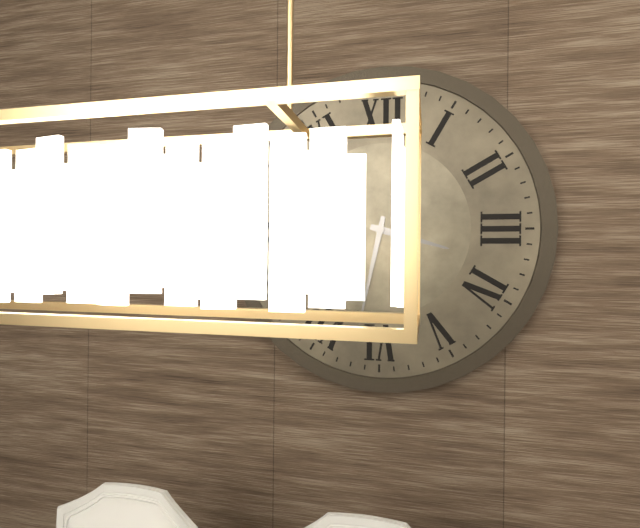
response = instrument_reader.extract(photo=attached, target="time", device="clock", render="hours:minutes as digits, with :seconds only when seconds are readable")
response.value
3:32
